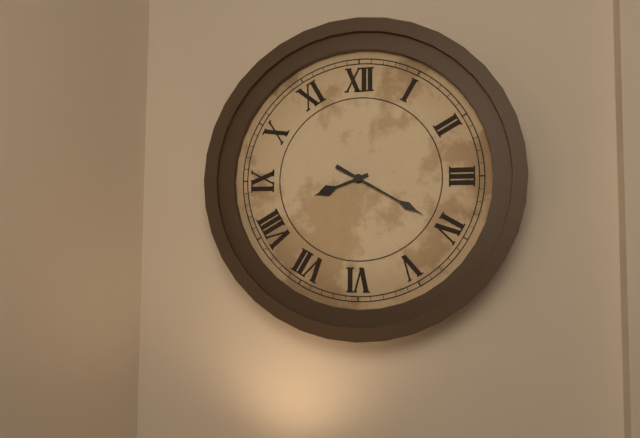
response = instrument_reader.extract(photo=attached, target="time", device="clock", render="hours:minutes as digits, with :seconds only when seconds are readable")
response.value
8:20
